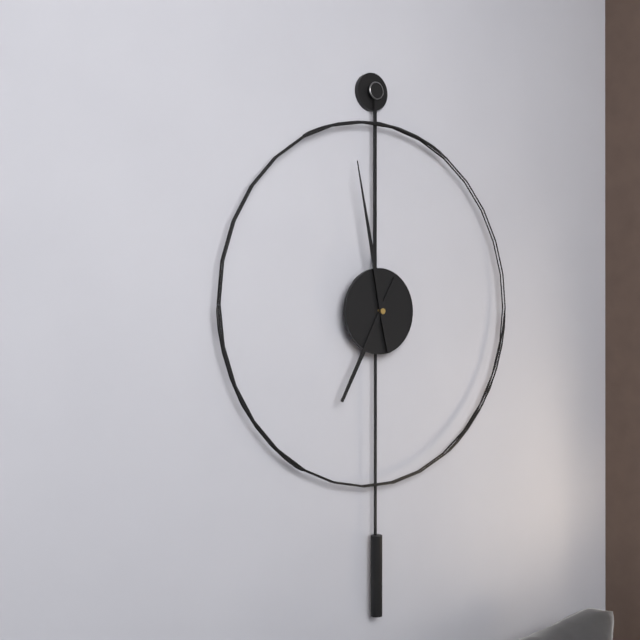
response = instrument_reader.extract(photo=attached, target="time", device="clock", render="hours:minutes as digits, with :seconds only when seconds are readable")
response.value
6:58
